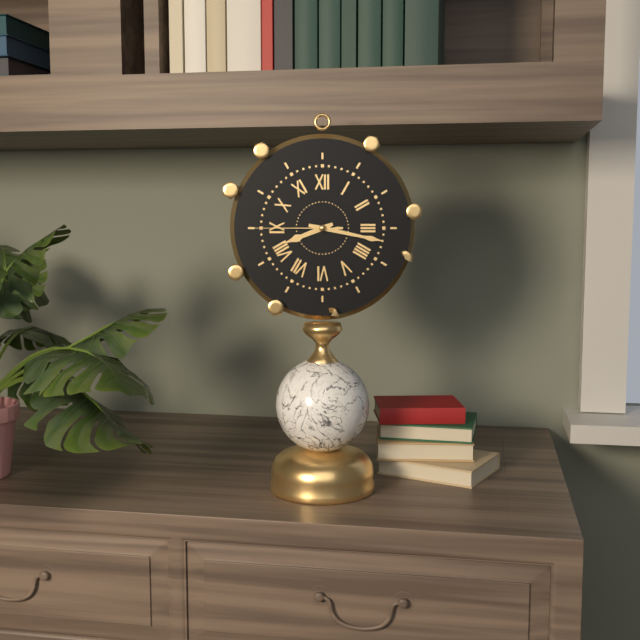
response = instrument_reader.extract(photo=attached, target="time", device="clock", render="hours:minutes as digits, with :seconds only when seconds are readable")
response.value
8:17:45
